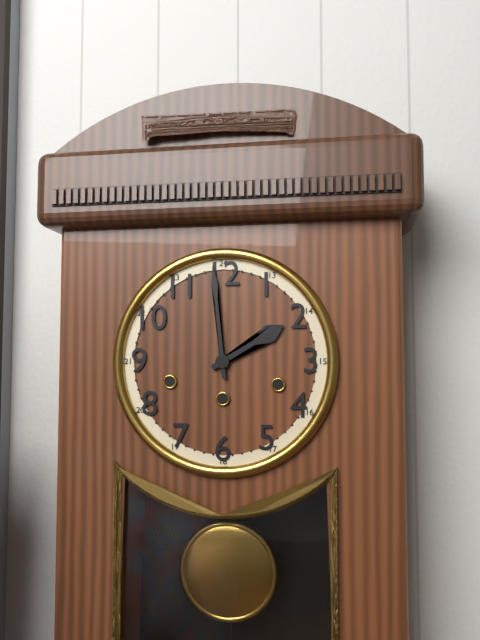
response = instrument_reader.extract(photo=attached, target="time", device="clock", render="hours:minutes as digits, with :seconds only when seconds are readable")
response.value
1:59
